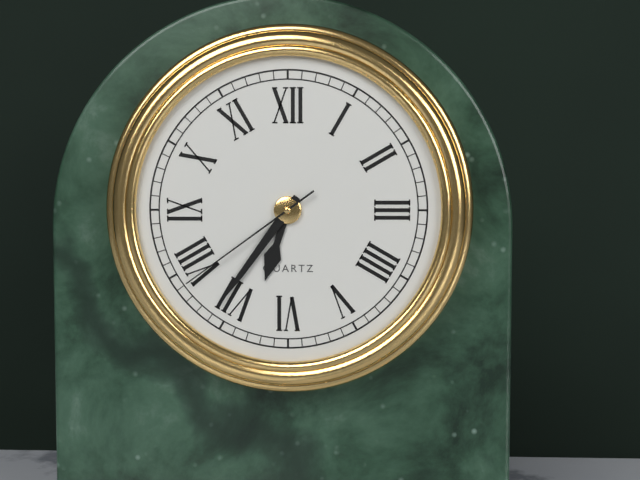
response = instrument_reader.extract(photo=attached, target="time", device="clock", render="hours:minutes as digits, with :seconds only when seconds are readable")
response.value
6:36:39
